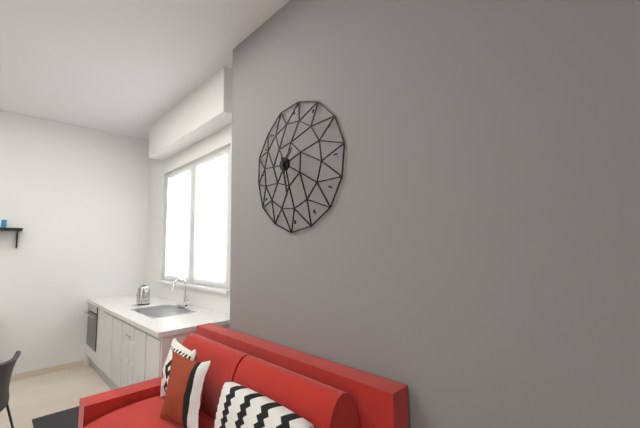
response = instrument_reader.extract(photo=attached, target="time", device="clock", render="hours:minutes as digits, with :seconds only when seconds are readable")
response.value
1:28
